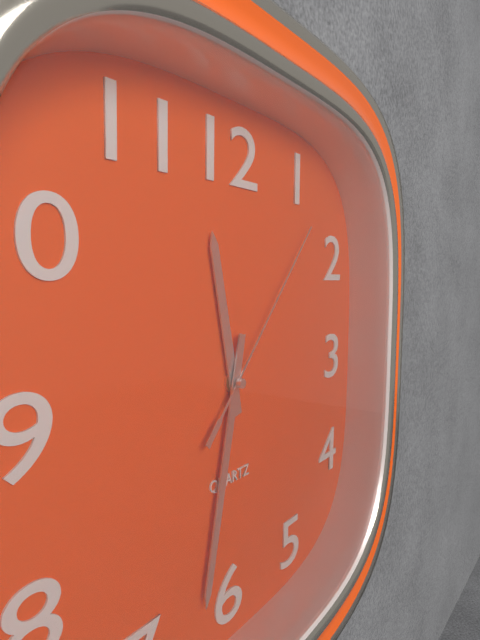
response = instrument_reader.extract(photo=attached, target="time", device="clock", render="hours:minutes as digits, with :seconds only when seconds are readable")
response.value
11:32:07
